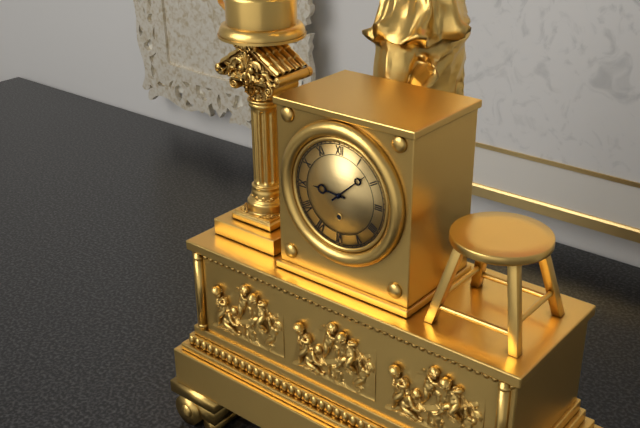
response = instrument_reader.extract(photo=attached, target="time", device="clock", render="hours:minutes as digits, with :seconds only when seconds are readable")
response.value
9:08
